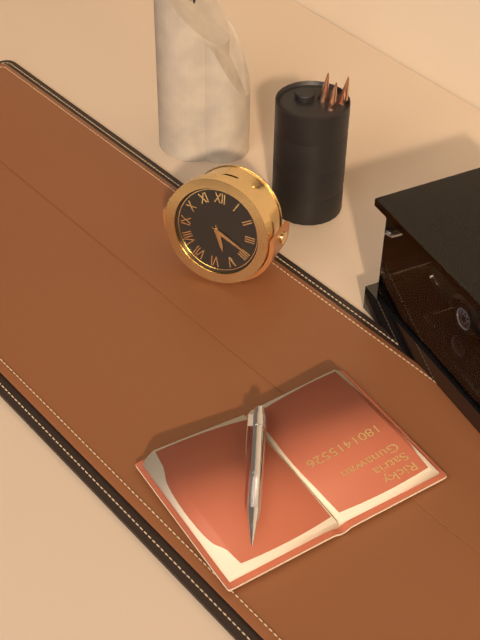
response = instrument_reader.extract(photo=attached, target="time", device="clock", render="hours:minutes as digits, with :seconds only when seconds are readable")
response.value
5:19
